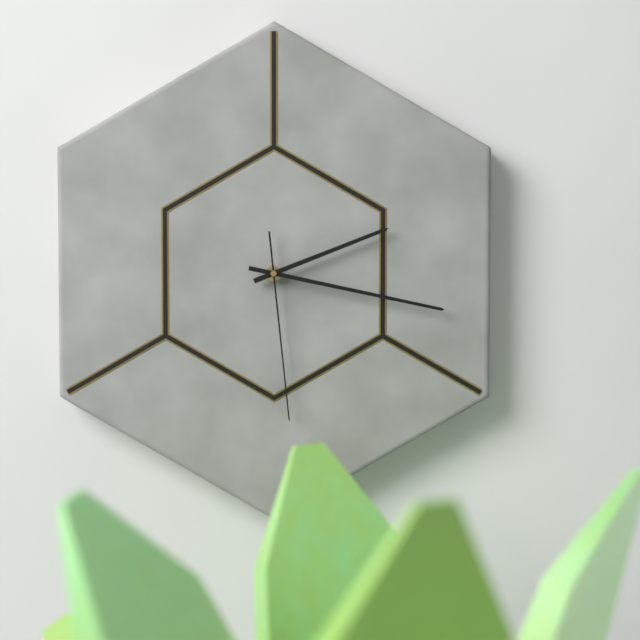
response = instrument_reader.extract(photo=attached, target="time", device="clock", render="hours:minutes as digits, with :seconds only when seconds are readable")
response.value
2:17:29
